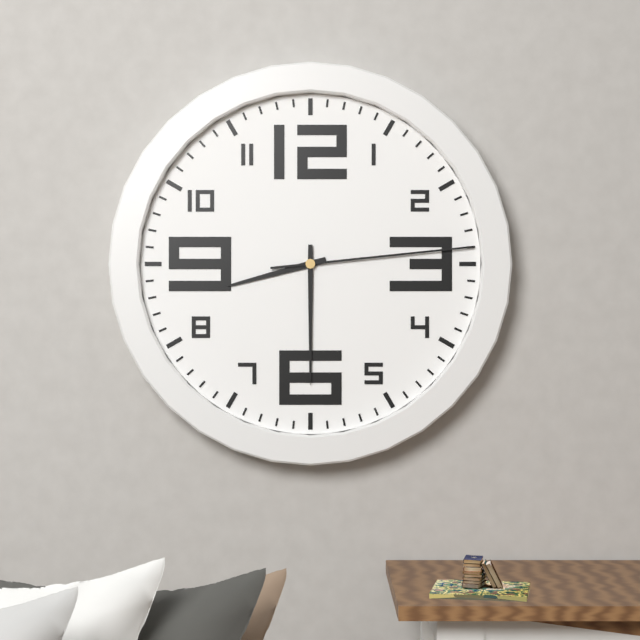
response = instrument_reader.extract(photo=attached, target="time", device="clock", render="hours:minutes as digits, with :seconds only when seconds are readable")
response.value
8:30:14
